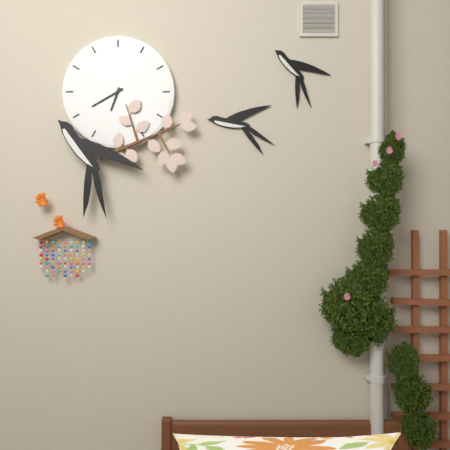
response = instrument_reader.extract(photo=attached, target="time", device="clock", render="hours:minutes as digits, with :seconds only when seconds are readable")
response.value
6:40
